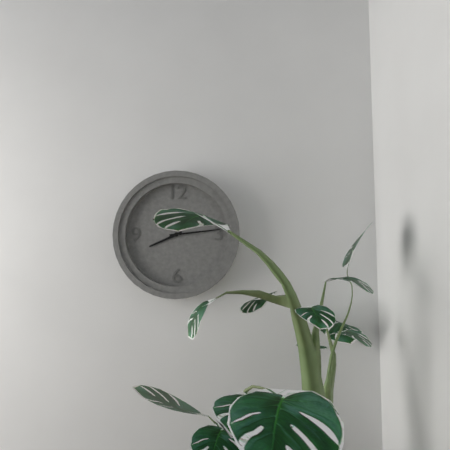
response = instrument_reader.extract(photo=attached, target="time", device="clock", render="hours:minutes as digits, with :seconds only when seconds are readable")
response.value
8:14
